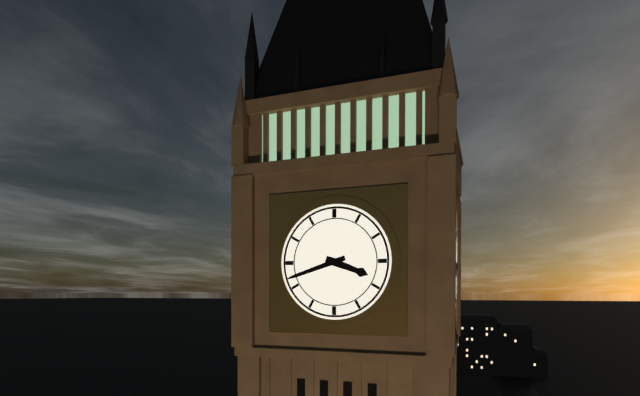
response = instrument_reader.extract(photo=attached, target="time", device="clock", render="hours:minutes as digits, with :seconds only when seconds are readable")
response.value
3:42
